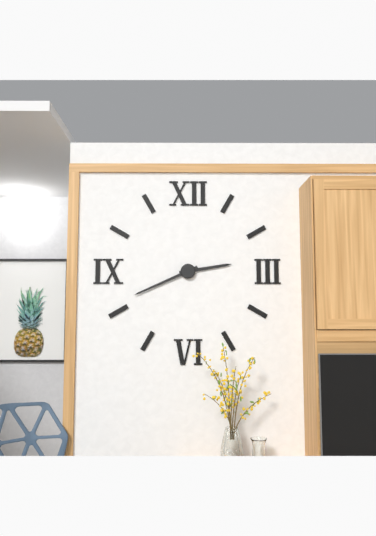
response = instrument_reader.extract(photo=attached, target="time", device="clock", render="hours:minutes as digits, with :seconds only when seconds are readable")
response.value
2:41
